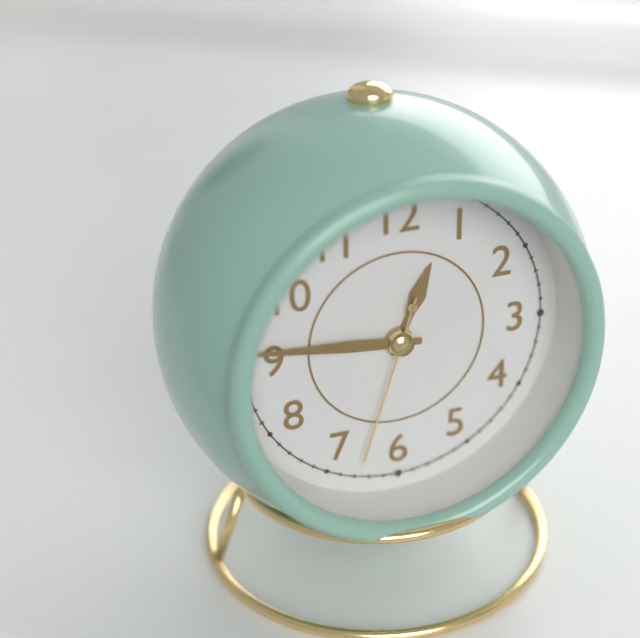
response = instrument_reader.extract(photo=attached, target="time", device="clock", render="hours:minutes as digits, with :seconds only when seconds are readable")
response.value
12:46:33
